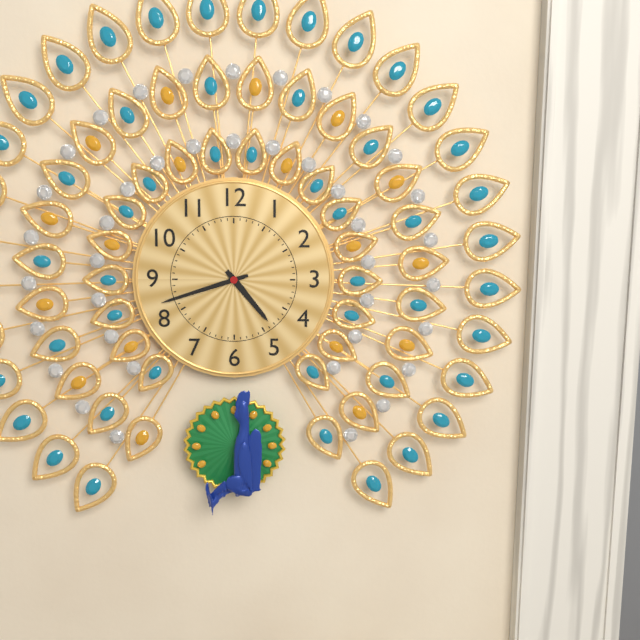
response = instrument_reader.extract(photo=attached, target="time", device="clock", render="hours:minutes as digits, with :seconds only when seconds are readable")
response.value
4:42
